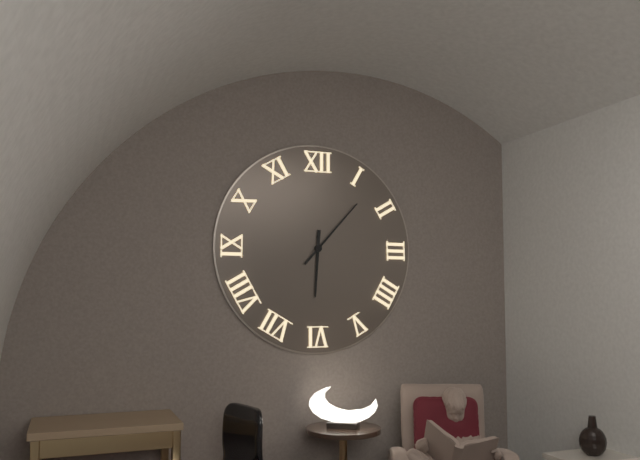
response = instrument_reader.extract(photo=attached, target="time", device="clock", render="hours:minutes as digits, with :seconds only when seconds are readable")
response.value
6:07
